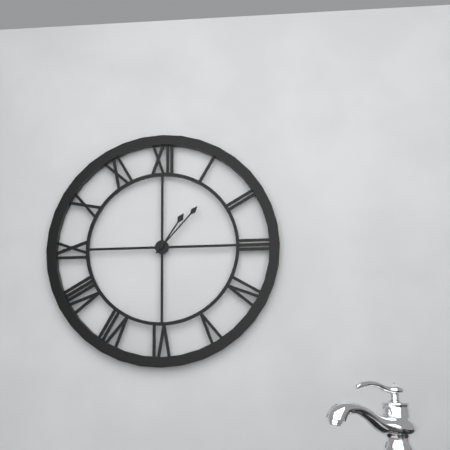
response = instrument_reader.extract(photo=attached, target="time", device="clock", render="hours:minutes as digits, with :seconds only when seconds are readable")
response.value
1:07
